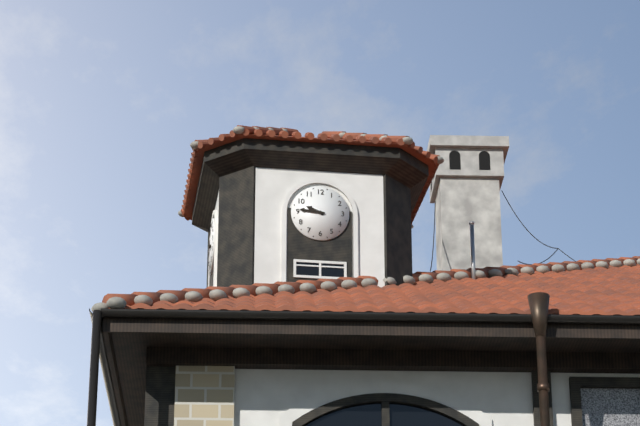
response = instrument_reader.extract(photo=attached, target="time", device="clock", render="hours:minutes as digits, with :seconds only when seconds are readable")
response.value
9:46
